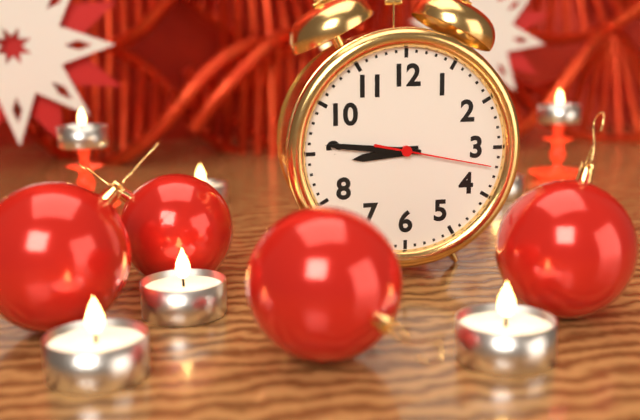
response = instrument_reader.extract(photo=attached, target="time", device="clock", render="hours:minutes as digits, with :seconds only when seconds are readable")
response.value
8:46:17
